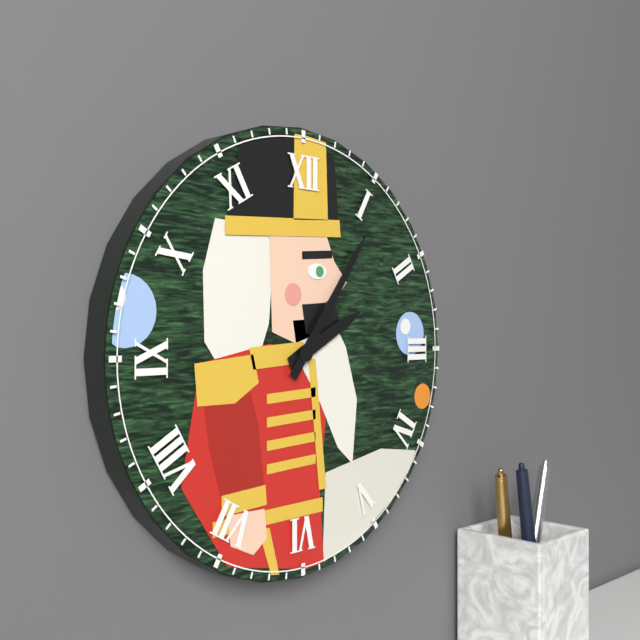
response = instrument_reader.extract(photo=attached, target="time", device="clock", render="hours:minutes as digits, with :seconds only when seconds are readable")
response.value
2:06
